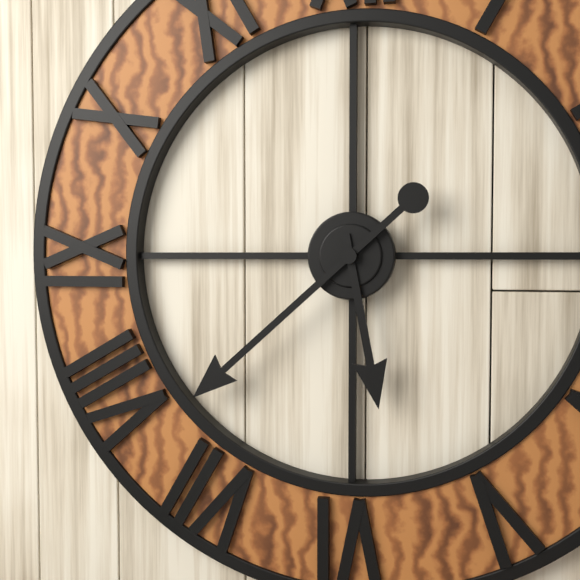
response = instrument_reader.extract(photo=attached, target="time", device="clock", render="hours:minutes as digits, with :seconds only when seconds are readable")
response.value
5:38
